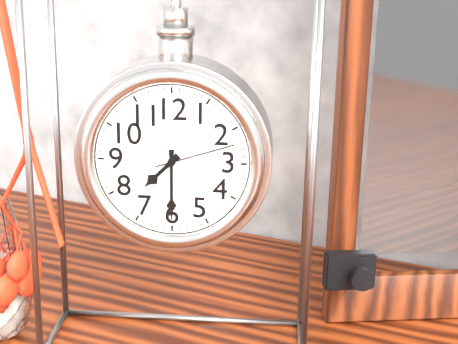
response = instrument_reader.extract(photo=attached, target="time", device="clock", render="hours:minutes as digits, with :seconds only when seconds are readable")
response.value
7:30:12
